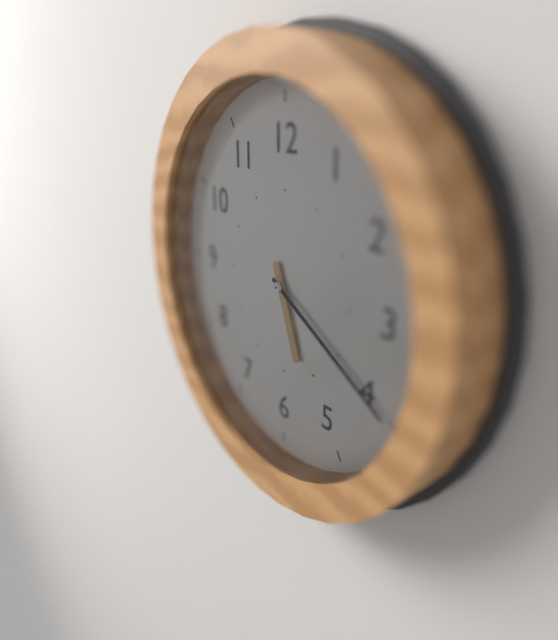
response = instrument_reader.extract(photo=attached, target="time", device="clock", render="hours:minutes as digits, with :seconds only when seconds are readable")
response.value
5:20
